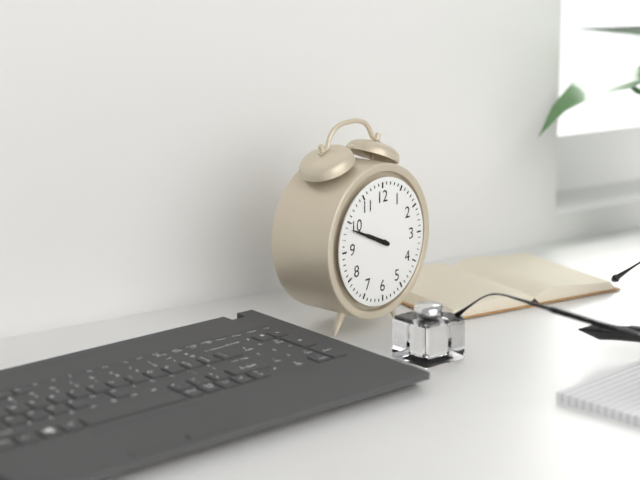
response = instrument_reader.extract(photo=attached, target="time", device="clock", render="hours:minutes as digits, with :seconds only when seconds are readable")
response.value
9:49
